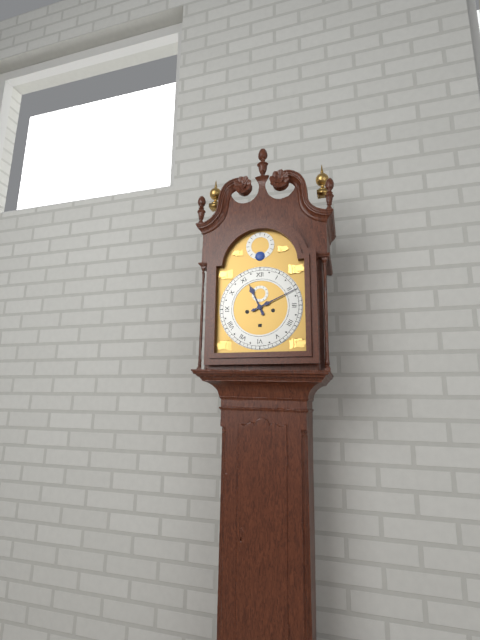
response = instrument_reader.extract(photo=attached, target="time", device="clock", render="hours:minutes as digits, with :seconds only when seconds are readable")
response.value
11:11
